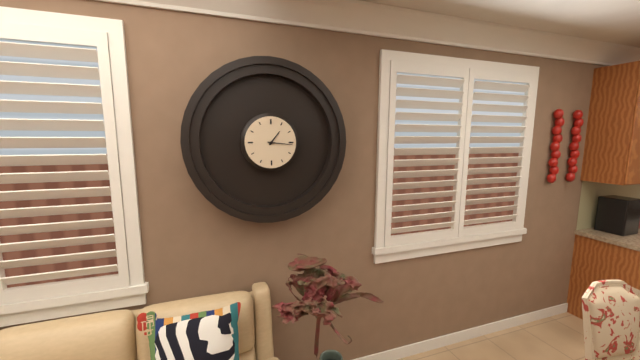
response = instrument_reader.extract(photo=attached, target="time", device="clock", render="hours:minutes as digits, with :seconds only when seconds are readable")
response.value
1:16
